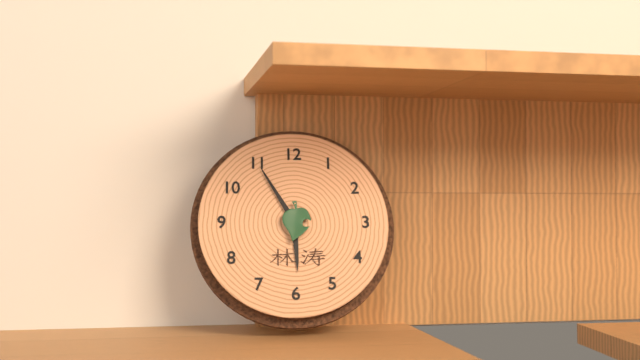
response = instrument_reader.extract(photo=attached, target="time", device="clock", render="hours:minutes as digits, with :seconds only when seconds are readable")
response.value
5:55
